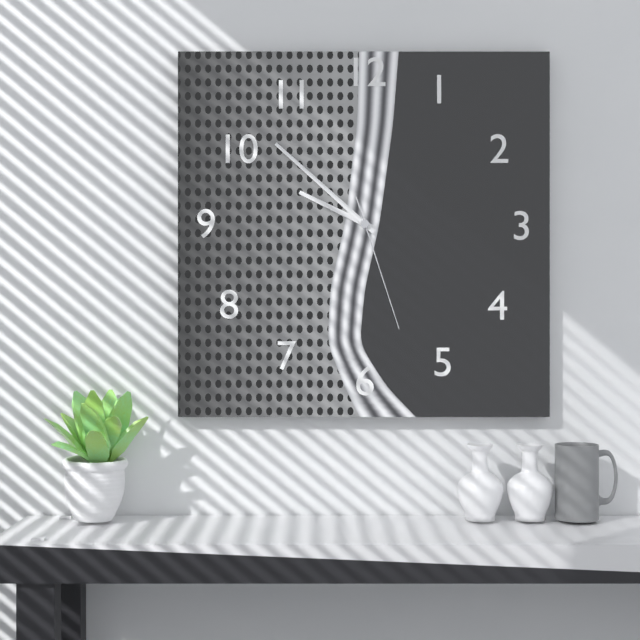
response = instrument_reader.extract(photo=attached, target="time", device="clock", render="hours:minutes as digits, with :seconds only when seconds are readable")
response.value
9:52:27
